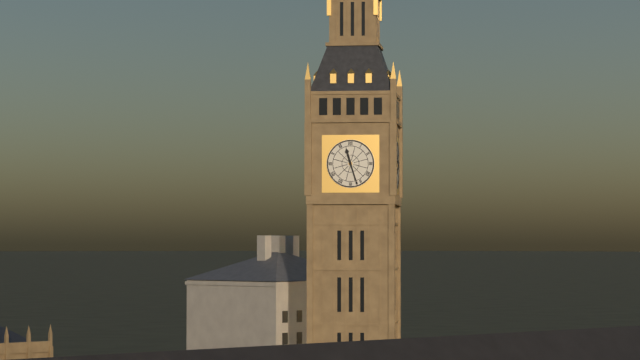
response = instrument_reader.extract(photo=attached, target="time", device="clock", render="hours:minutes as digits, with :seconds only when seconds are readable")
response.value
11:27
